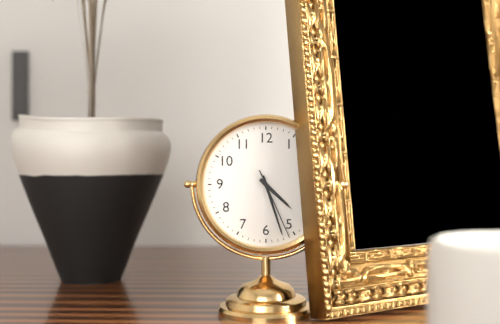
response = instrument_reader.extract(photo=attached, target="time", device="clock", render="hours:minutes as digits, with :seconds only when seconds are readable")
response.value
4:27:26
